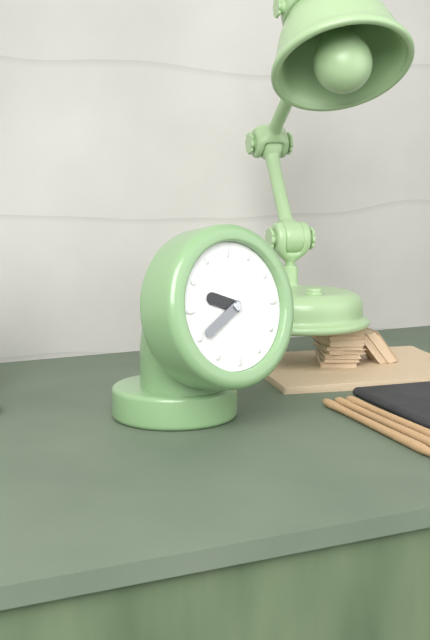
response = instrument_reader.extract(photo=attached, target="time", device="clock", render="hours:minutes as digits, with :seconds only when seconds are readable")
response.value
9:40
